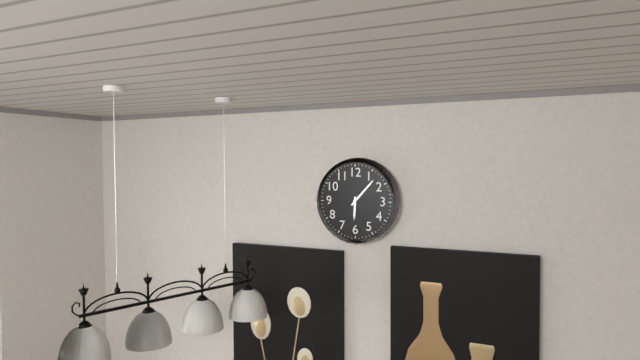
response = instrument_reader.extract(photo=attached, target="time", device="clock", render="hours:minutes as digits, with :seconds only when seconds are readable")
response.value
6:07
